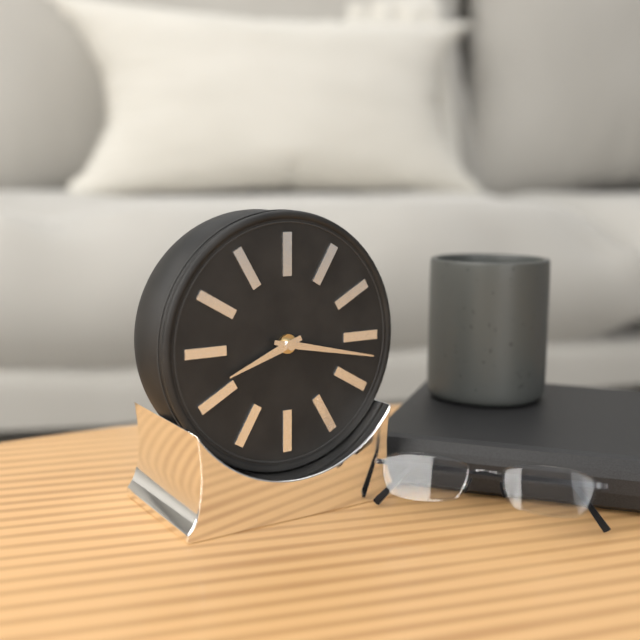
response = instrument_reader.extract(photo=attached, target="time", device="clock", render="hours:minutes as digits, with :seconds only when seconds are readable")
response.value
8:17
